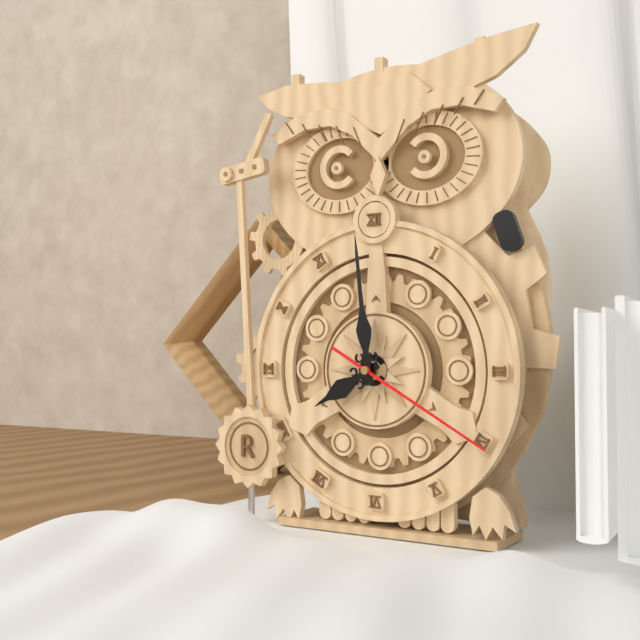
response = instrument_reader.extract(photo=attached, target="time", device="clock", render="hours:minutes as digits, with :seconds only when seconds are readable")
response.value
7:59:20
